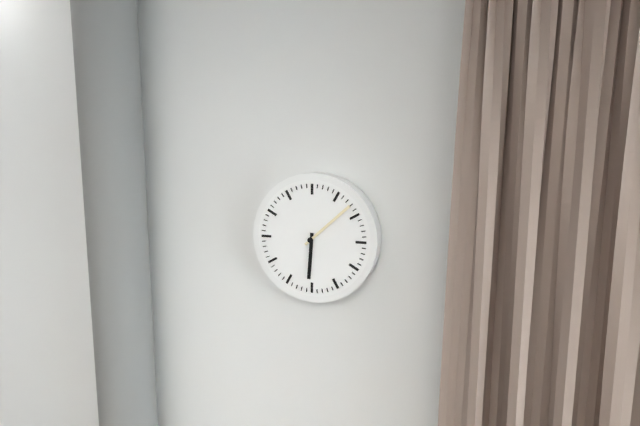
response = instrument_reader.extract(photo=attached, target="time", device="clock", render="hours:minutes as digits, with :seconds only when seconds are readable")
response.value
6:08
